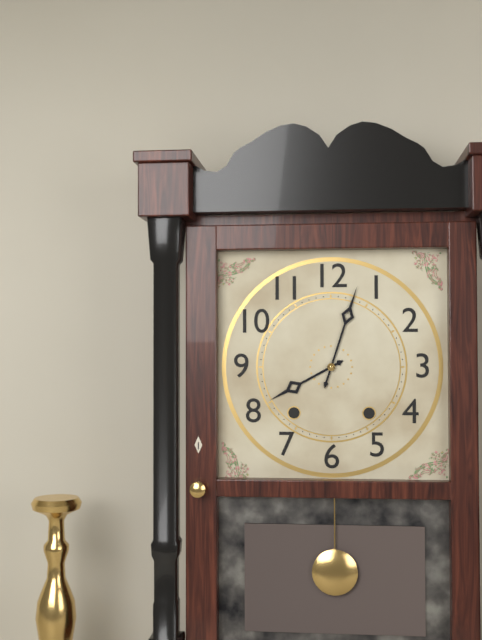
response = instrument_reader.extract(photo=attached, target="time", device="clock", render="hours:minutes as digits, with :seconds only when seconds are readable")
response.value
8:03
